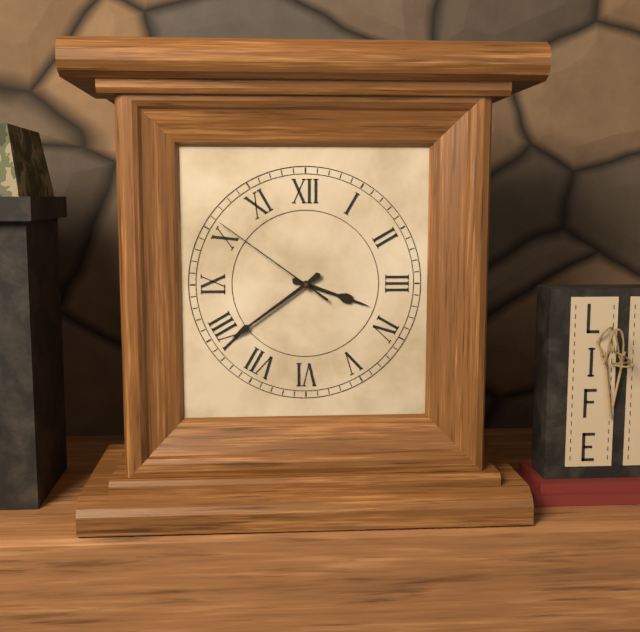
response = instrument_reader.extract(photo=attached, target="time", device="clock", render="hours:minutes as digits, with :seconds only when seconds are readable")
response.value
3:39:51
